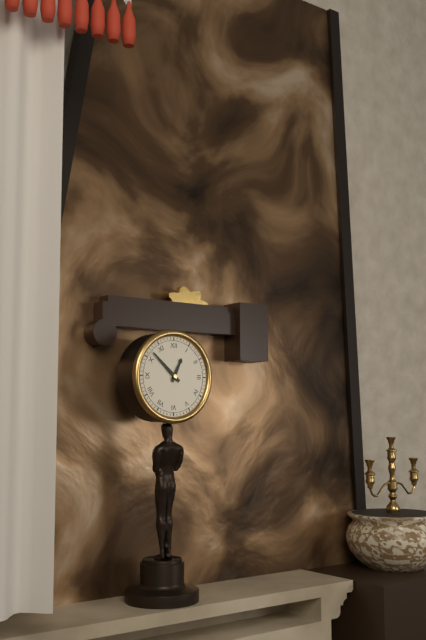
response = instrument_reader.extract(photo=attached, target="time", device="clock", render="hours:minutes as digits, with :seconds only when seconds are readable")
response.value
12:52
